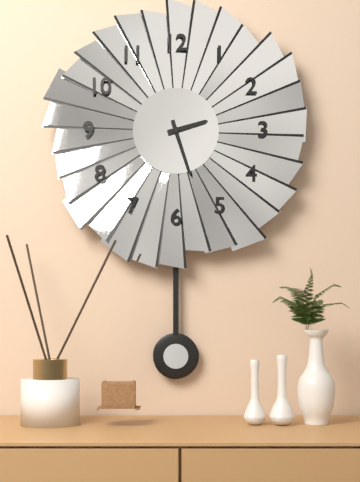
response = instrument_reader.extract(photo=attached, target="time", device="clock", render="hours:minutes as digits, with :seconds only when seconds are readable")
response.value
2:27
